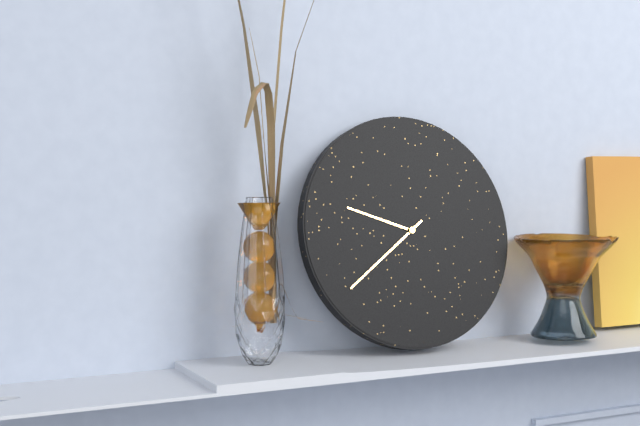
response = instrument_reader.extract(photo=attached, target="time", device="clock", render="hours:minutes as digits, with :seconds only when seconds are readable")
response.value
9:39
